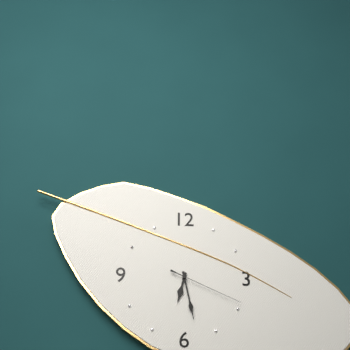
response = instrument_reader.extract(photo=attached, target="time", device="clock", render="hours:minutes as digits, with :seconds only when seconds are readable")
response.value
6:28:19
